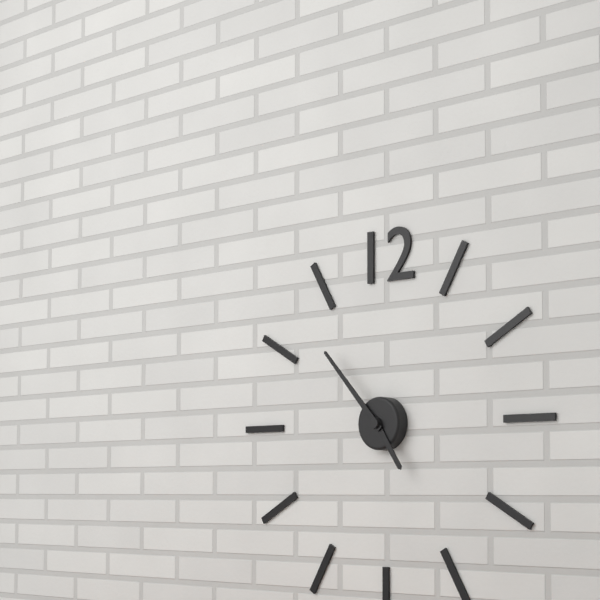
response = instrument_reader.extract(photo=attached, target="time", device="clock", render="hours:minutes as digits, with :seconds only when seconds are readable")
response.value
4:53
